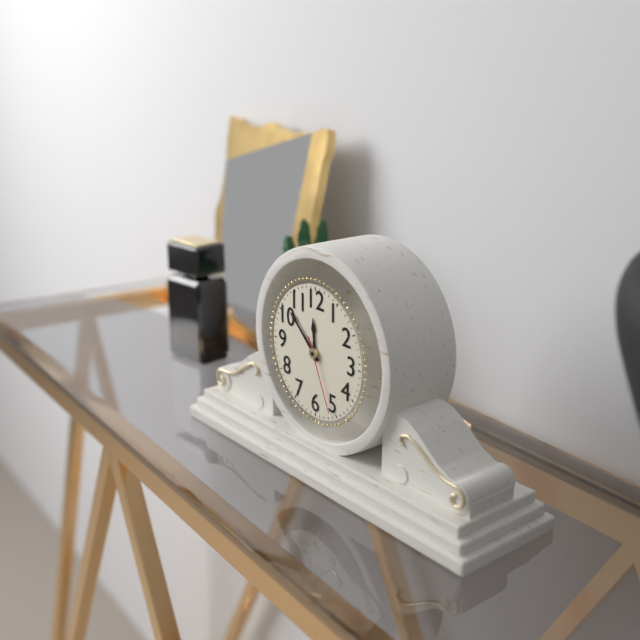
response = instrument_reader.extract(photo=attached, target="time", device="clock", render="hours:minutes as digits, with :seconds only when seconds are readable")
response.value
11:52:26
